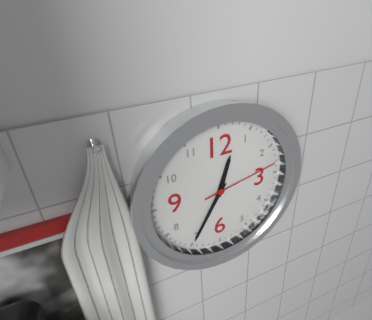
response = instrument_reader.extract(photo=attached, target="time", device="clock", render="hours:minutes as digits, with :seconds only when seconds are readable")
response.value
12:35:13
